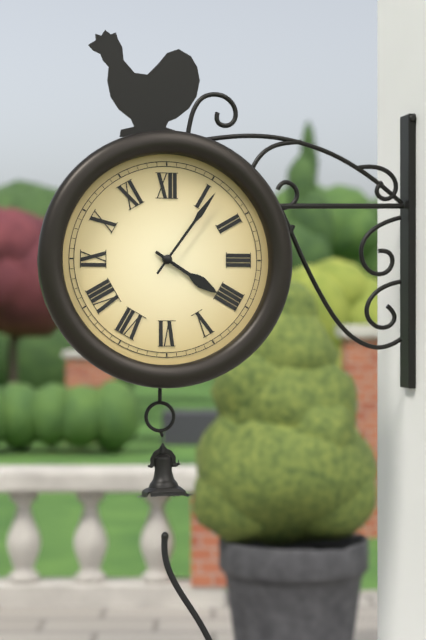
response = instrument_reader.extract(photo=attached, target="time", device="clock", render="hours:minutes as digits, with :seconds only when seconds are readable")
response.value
4:06
